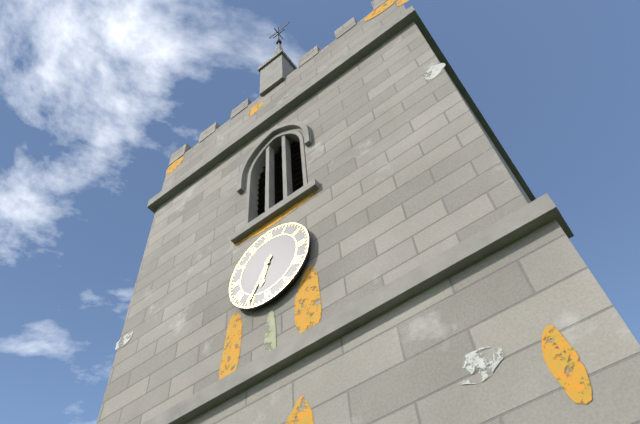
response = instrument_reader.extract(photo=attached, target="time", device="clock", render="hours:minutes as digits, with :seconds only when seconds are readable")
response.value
6:35
